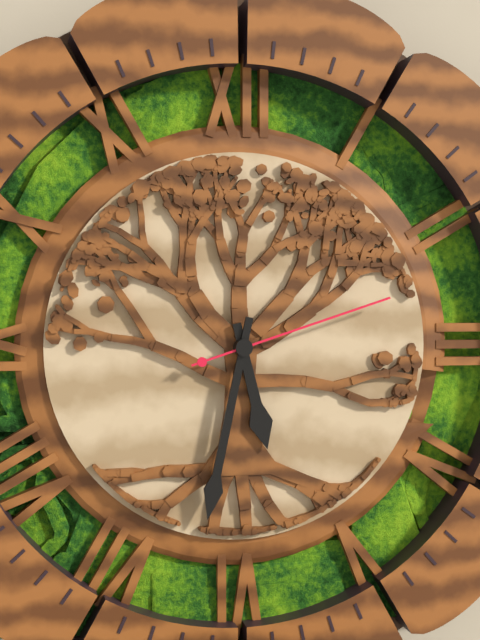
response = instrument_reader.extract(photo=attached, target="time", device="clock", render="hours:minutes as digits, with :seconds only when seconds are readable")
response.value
5:32:12
